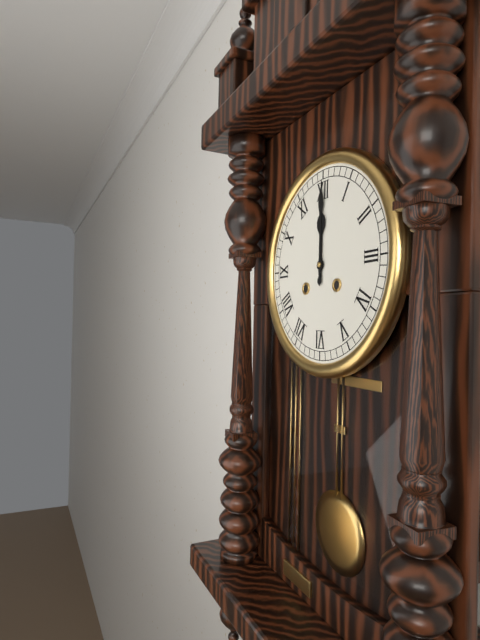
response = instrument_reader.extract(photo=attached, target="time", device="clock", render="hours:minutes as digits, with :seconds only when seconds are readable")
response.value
12:00
